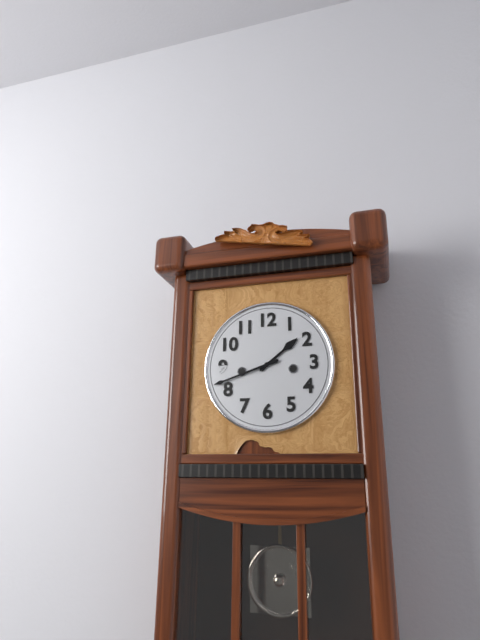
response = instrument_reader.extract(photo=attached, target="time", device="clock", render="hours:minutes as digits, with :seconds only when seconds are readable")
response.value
1:42
